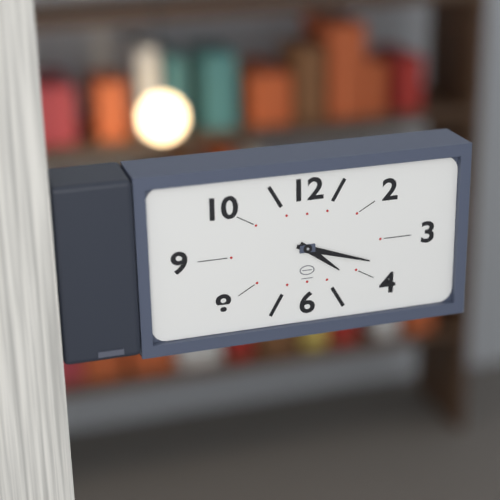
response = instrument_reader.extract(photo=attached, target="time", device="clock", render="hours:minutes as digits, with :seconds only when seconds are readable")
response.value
4:18
